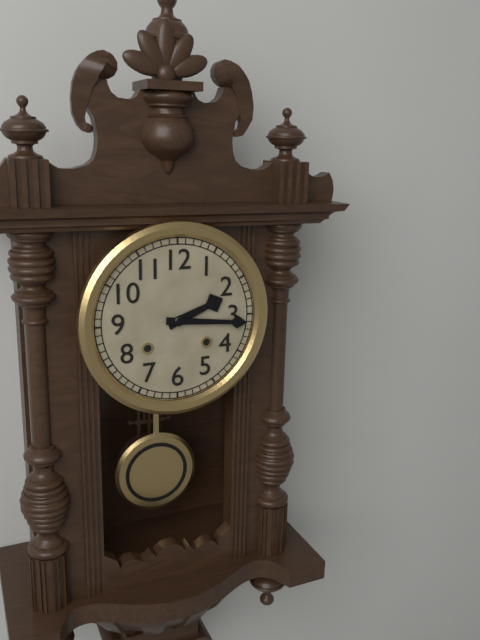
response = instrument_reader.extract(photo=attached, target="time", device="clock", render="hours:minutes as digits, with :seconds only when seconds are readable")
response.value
2:16
